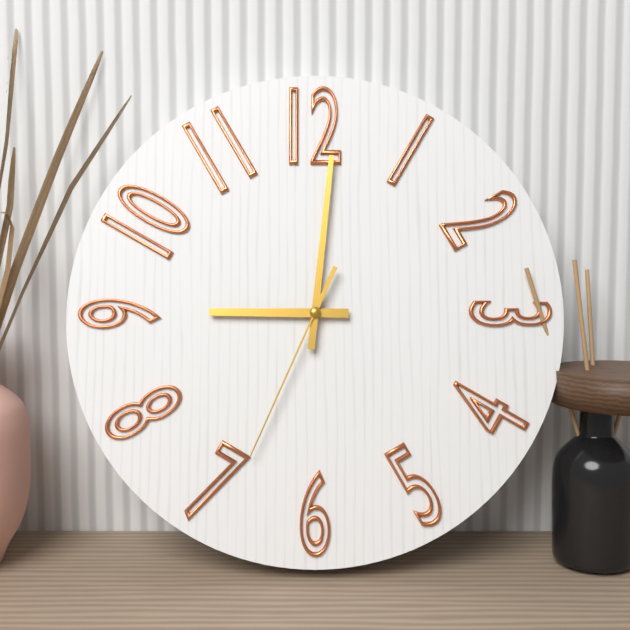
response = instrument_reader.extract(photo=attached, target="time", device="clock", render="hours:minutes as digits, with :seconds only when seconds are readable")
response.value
9:01:34
